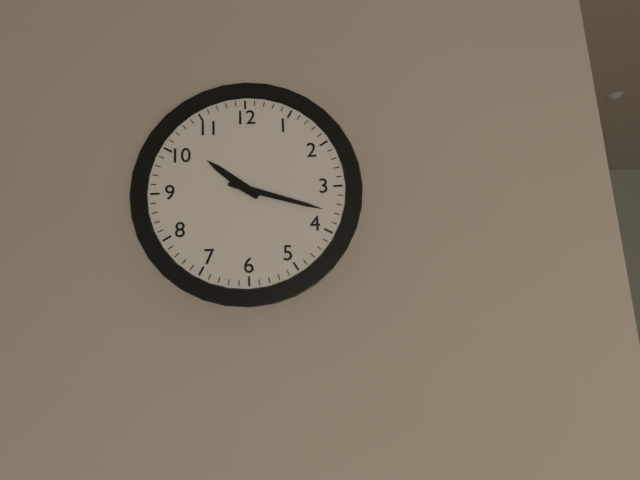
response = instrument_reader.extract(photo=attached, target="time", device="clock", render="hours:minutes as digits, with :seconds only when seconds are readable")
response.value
10:18
